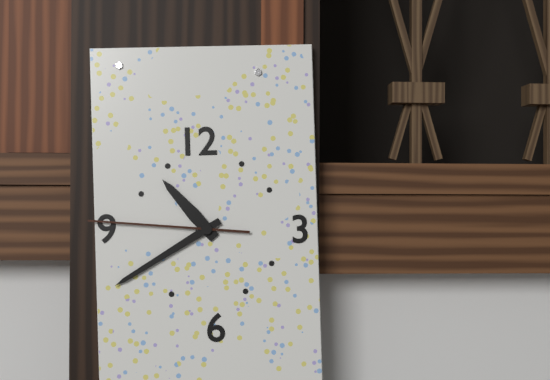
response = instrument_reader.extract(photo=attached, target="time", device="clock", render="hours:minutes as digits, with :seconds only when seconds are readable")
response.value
10:40:46
